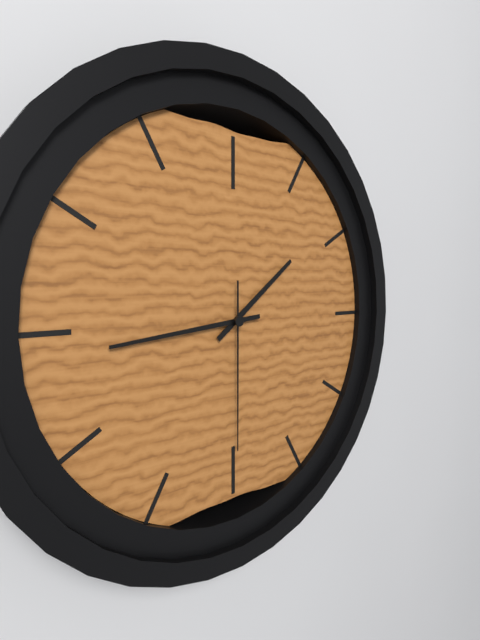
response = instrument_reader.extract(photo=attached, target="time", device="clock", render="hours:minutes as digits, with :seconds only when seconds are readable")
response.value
1:44:30
